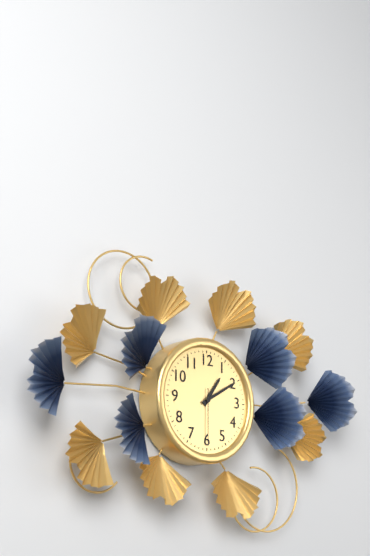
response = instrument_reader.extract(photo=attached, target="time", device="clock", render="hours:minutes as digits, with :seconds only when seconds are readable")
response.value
1:10:30
